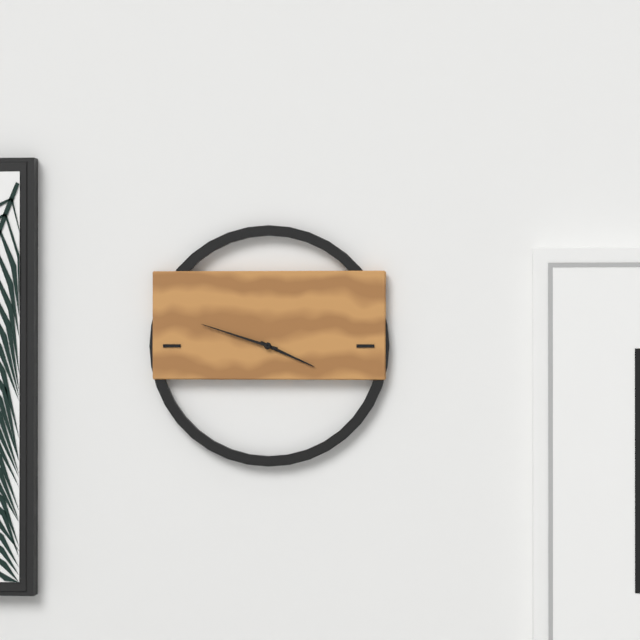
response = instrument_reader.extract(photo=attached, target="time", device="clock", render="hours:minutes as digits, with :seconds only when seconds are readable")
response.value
3:48
